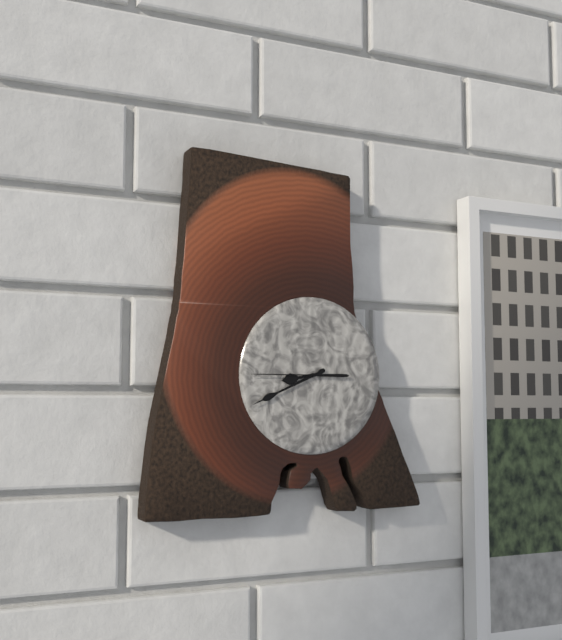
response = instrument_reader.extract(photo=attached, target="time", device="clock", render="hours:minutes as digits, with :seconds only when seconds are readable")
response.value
8:41:45
